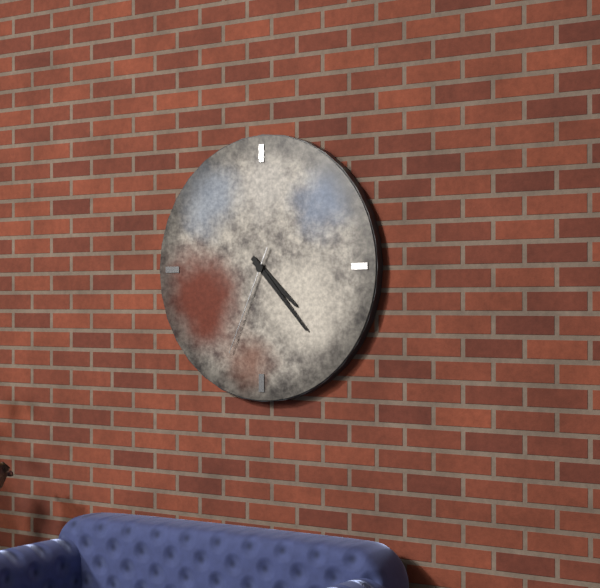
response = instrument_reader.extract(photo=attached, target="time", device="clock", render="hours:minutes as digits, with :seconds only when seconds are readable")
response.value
4:23:34
